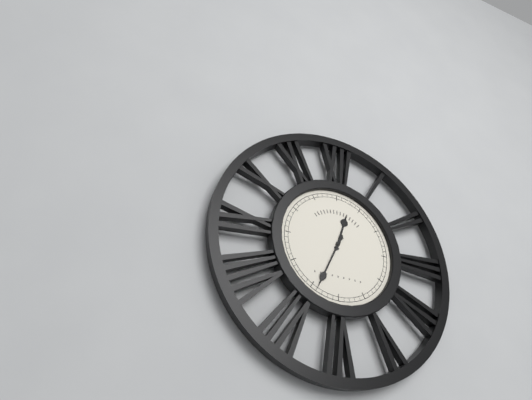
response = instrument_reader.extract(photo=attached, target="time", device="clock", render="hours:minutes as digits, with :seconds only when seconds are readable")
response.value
12:34
